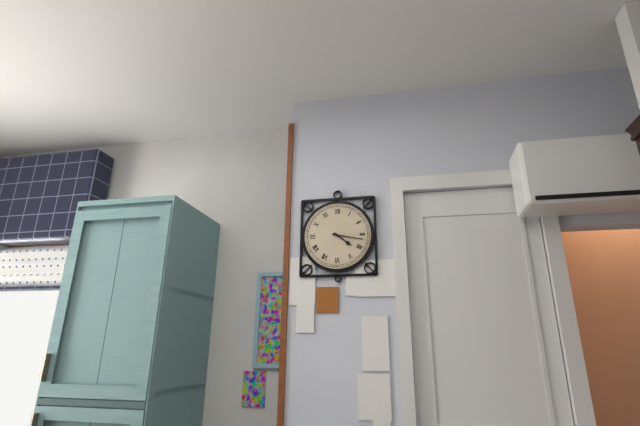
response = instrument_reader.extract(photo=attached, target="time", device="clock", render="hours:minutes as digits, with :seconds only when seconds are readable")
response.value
4:17
